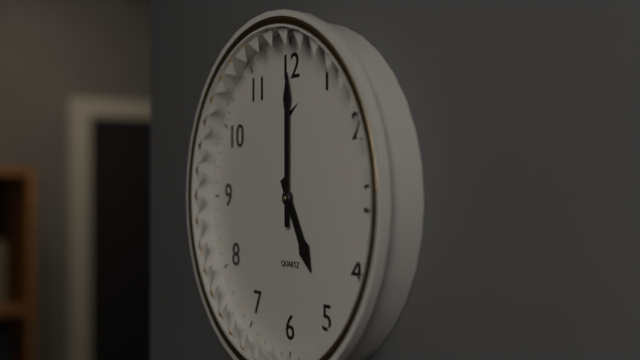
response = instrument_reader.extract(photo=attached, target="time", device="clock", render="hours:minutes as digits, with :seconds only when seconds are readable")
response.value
5:00
